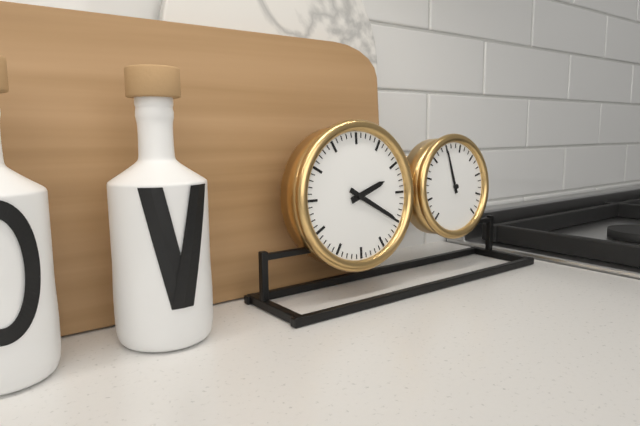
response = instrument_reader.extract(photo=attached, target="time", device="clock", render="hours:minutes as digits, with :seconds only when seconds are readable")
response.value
2:20
